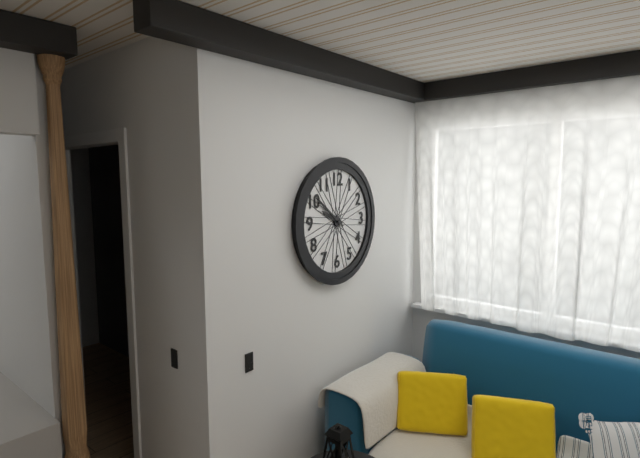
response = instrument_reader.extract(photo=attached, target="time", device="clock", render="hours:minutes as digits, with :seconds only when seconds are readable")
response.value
9:51
